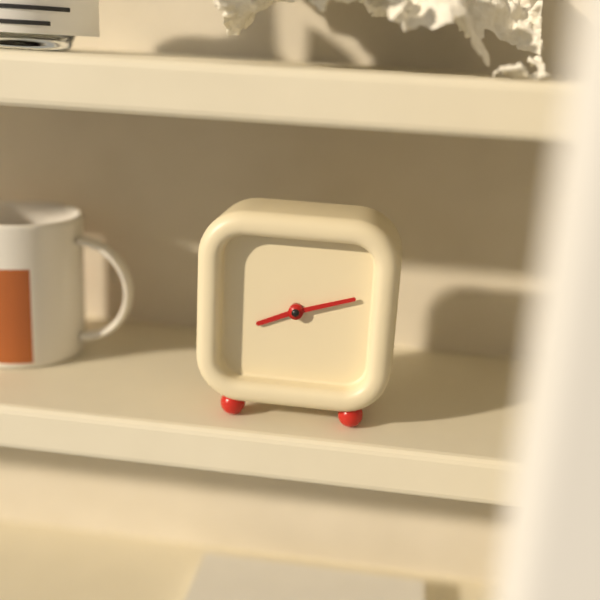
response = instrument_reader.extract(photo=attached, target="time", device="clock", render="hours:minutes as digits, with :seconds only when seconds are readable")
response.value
8:12
